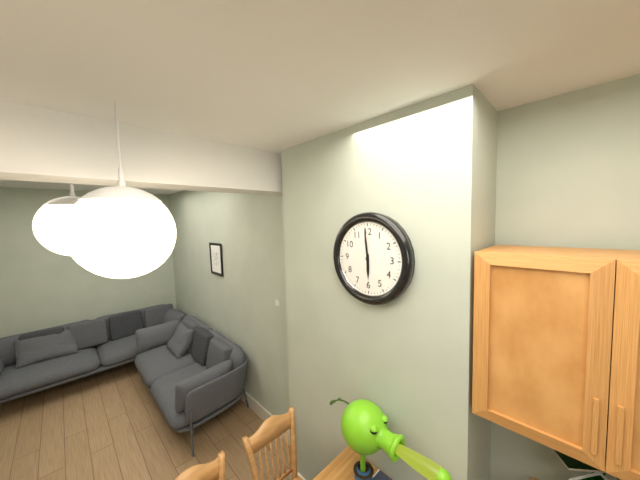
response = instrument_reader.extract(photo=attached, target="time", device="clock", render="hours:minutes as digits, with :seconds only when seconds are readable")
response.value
5:59
